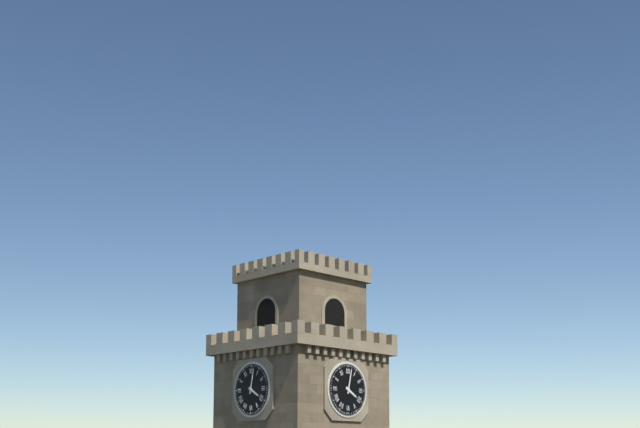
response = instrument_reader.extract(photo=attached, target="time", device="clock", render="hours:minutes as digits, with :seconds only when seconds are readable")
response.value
4:02
